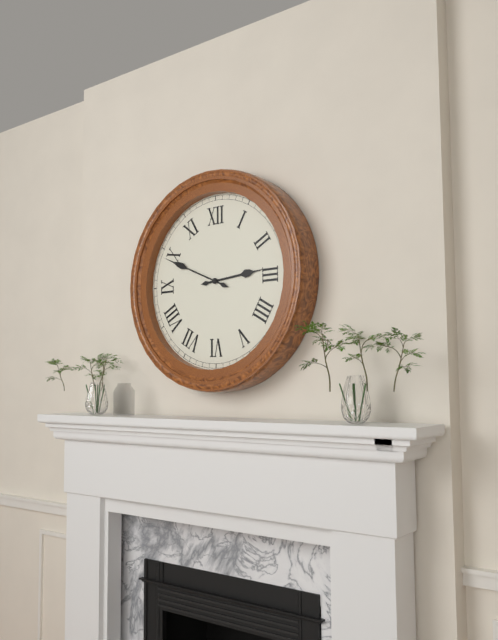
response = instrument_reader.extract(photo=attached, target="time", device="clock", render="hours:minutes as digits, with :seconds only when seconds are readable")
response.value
2:49
